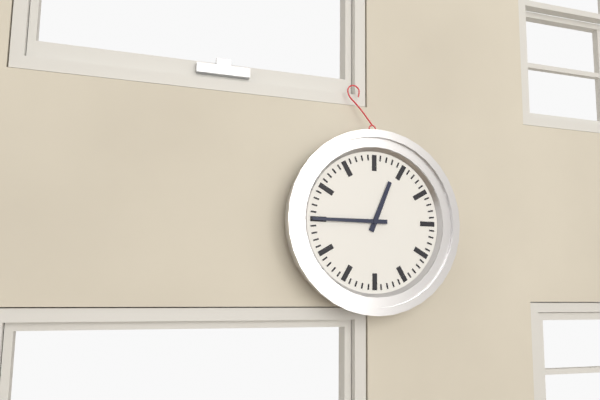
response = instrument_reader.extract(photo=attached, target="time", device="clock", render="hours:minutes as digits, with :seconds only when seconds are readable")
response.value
12:45
